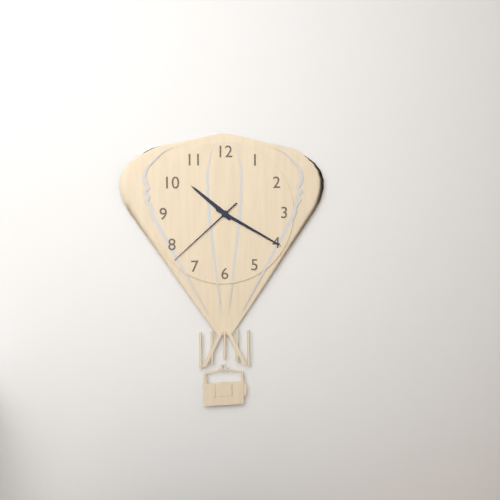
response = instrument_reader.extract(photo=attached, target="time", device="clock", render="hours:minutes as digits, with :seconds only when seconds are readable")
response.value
10:20:38
